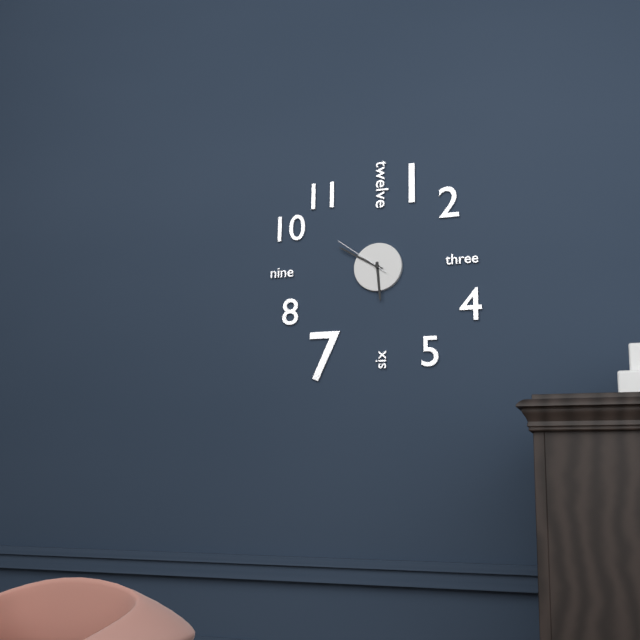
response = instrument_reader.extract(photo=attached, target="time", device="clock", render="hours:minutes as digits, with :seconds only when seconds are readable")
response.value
5:50:51
